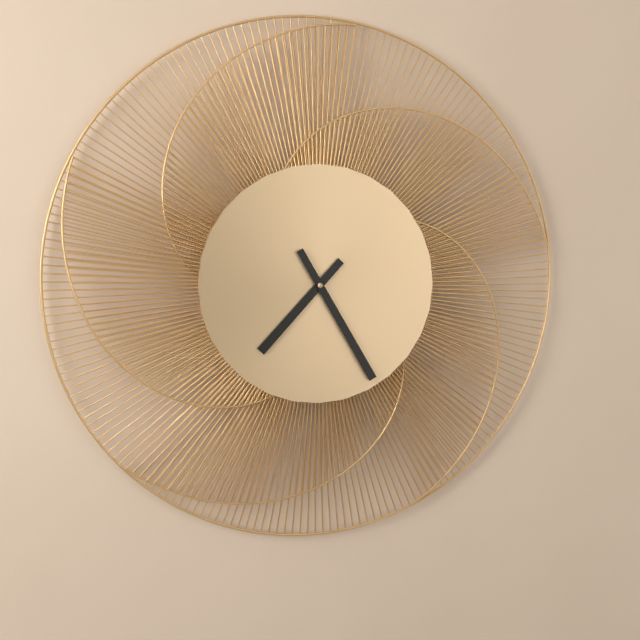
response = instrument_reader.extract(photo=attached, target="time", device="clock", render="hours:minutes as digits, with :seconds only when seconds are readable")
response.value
7:25
